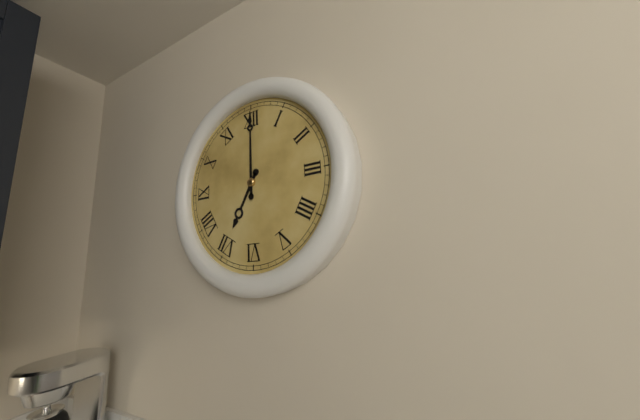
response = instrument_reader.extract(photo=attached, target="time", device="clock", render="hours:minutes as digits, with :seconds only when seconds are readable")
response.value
7:00
